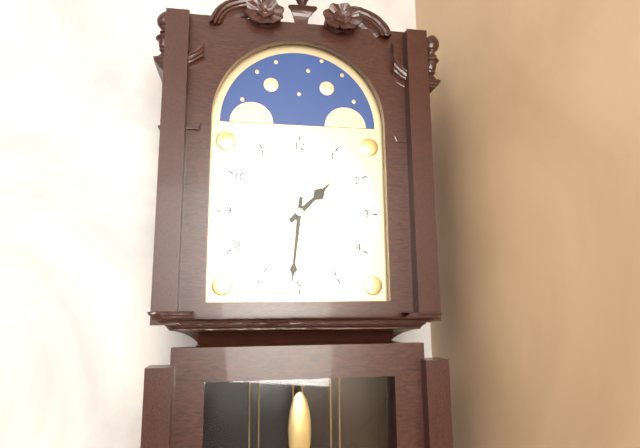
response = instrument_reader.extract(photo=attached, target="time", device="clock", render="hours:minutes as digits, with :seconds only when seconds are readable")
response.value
1:31
